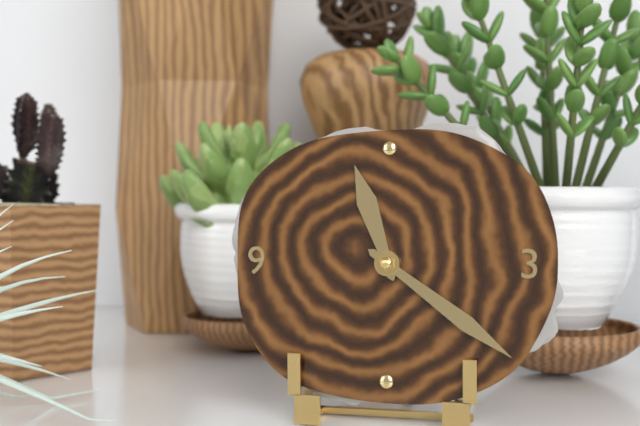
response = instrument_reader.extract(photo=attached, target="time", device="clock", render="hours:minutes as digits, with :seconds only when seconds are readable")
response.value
11:21
